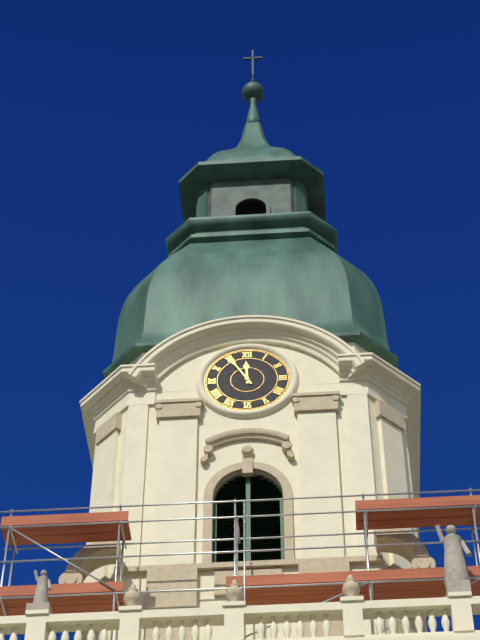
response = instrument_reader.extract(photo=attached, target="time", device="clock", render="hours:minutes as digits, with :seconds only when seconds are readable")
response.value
11:55
